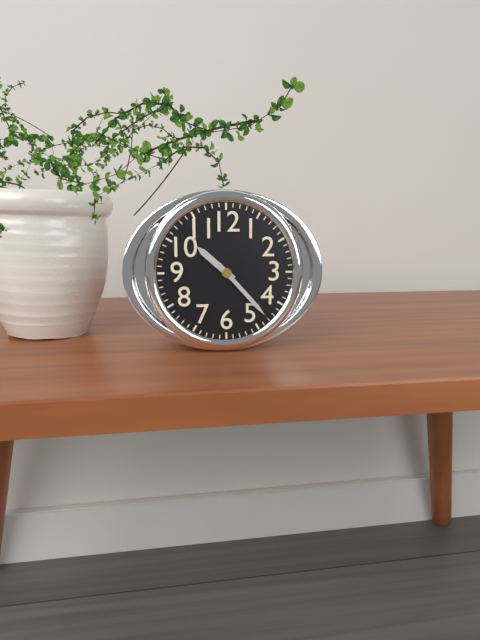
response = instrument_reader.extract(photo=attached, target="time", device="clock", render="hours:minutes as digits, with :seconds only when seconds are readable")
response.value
10:23
